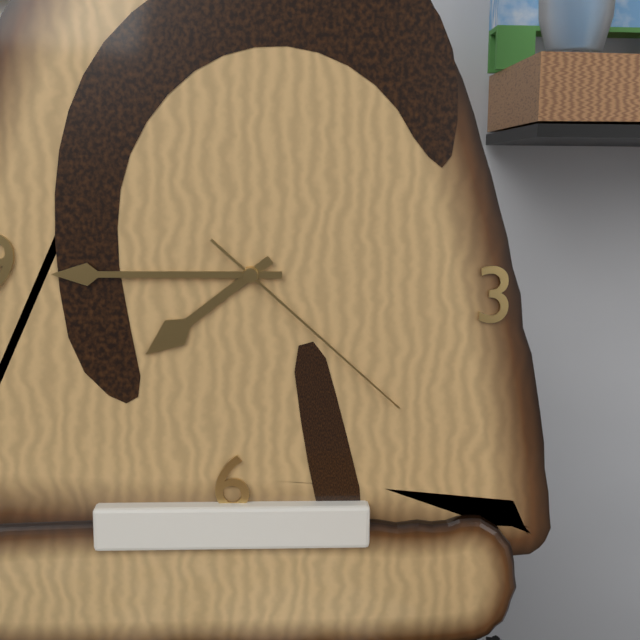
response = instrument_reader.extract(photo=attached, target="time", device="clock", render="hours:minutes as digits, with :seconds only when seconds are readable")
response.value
7:45:22
